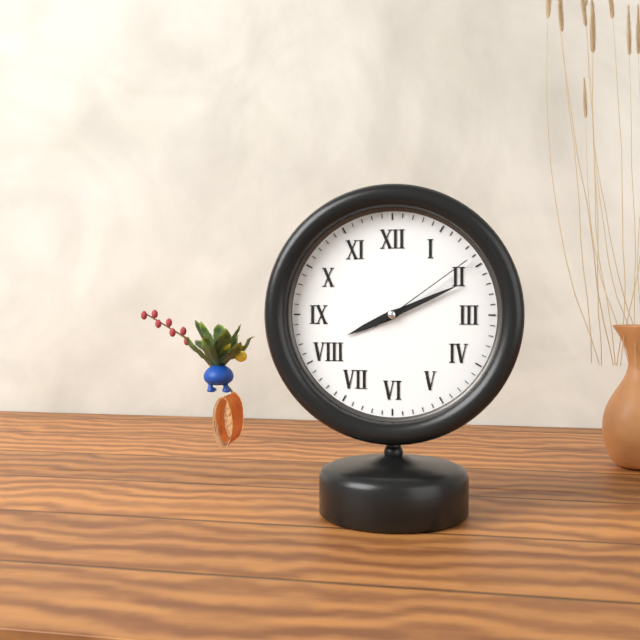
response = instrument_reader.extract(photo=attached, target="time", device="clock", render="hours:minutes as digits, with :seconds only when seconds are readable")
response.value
8:11:09
